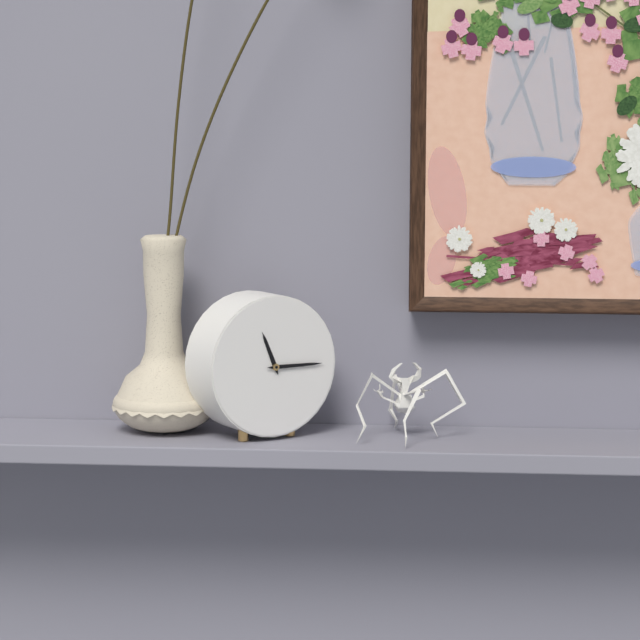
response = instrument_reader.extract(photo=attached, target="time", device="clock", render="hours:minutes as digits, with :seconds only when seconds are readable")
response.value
11:15
